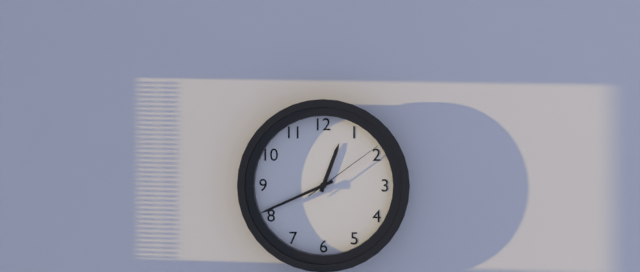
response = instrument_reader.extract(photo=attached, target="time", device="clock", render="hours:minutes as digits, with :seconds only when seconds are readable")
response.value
12:41:09
